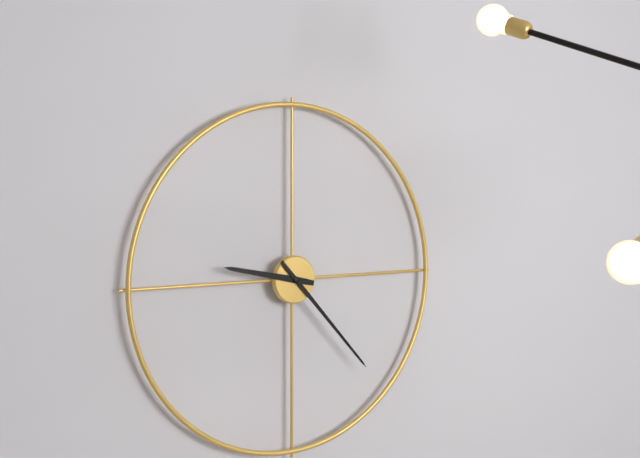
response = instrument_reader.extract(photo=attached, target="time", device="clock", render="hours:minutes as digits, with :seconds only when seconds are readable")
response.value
9:23
